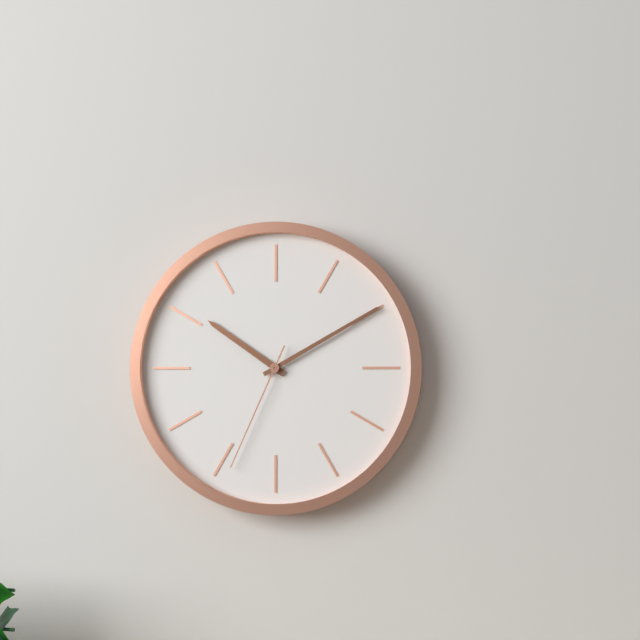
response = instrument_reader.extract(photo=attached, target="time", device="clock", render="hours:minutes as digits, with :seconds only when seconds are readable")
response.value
10:10:34
